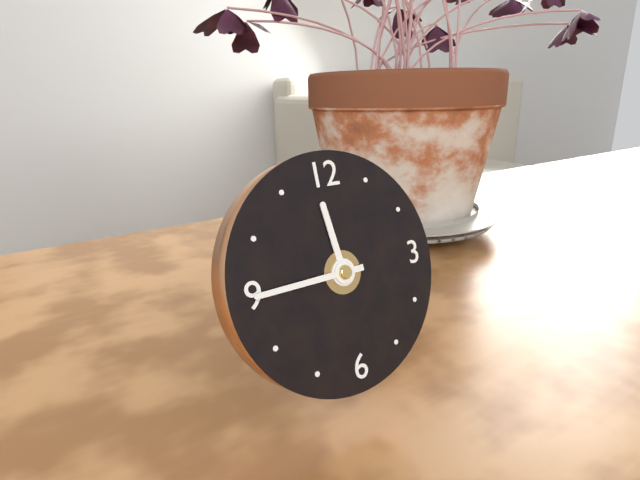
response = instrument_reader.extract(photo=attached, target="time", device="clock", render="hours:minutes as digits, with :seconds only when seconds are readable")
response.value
11:45
